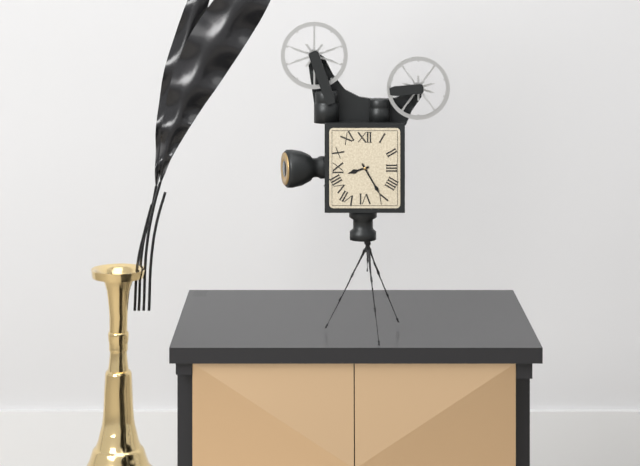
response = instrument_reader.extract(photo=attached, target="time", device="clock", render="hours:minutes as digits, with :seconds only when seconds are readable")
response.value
8:25
